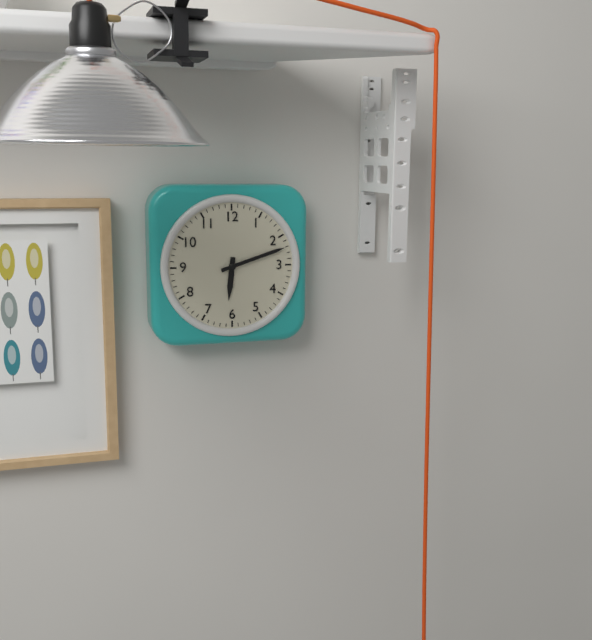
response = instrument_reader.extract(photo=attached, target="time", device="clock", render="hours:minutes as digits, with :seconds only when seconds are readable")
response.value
6:12
